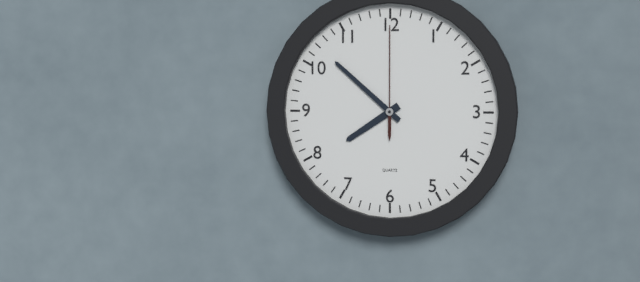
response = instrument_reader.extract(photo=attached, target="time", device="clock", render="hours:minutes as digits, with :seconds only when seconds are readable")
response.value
7:52:00
